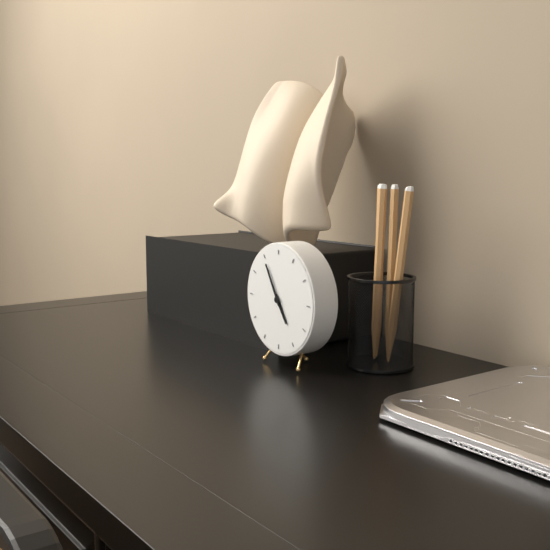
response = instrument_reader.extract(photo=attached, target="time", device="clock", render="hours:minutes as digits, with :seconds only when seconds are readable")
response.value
4:55
